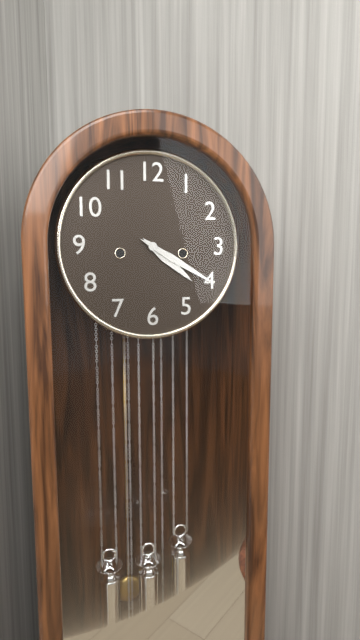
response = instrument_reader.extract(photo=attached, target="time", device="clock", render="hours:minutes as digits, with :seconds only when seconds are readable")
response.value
4:20
